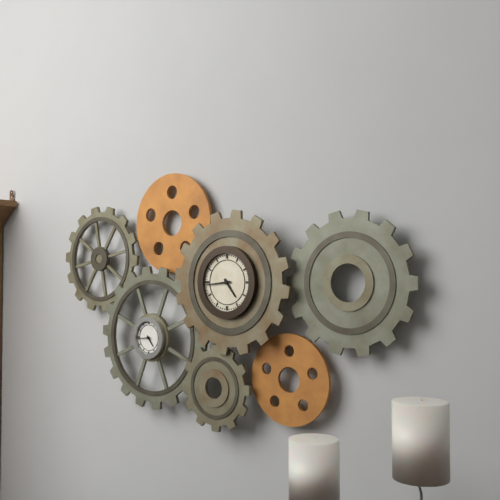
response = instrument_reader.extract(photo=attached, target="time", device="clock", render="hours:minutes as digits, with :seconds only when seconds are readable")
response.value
4:44
